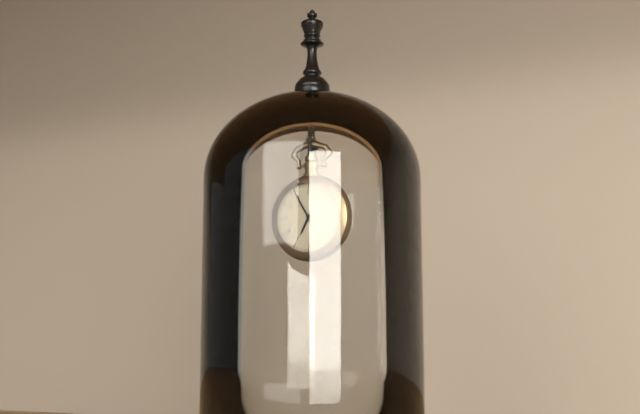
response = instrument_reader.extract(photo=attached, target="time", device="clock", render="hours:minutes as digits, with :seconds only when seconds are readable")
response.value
6:55
